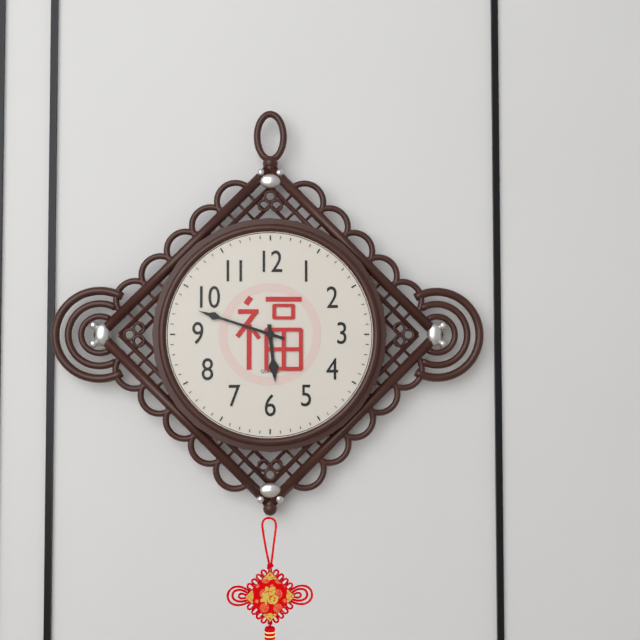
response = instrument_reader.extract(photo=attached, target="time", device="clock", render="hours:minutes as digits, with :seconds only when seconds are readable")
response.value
5:48
